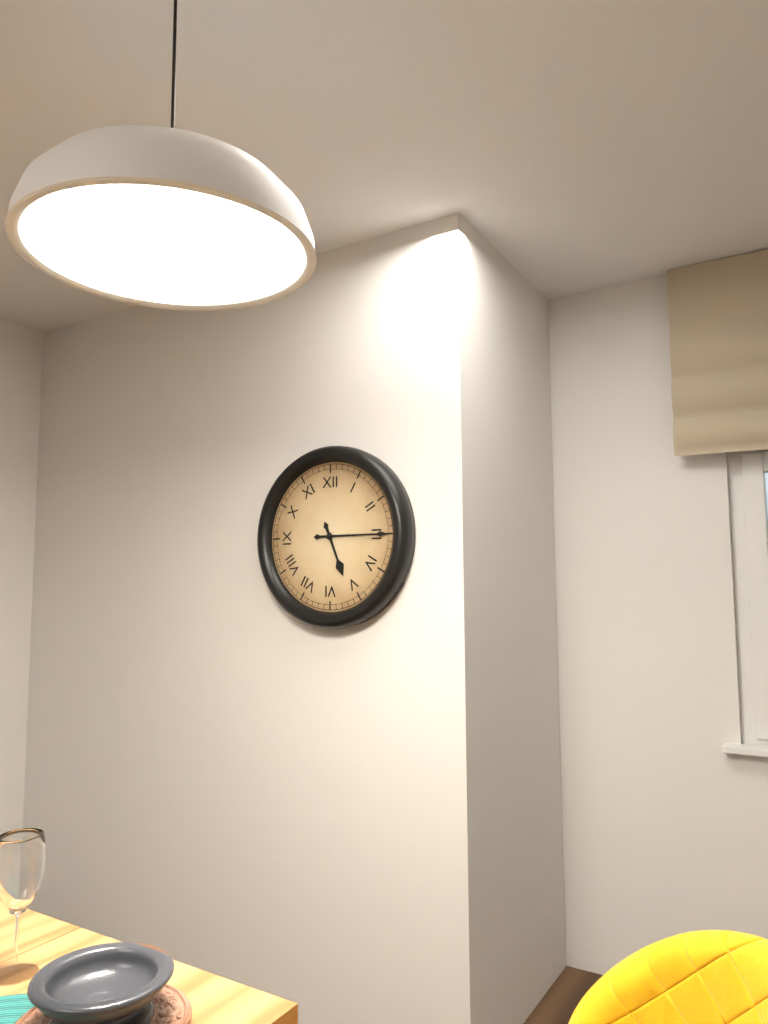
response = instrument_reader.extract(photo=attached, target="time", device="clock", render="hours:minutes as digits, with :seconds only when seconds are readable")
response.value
5:15
